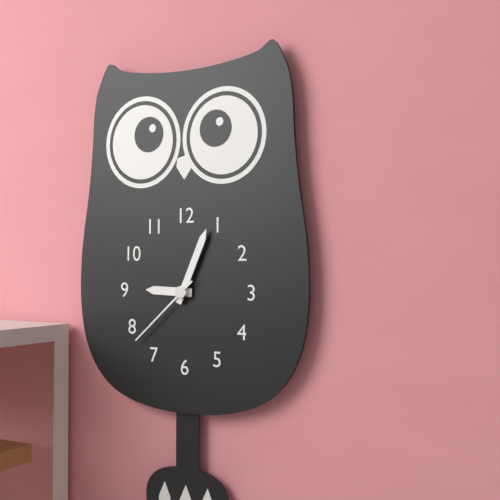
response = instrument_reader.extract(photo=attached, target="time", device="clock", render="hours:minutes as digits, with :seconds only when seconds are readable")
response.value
9:04:38
